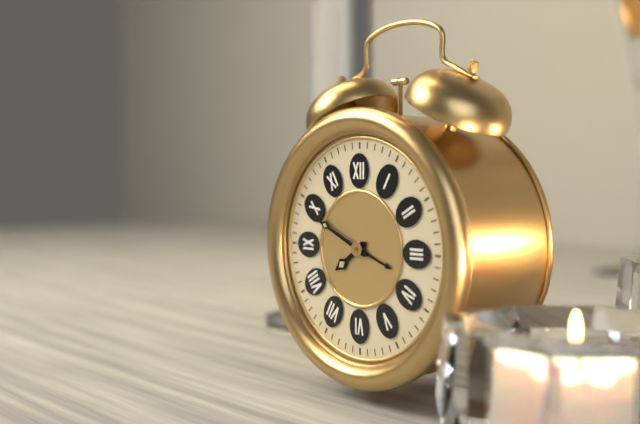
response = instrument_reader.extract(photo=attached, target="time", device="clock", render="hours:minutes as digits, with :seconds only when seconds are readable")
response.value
7:49
